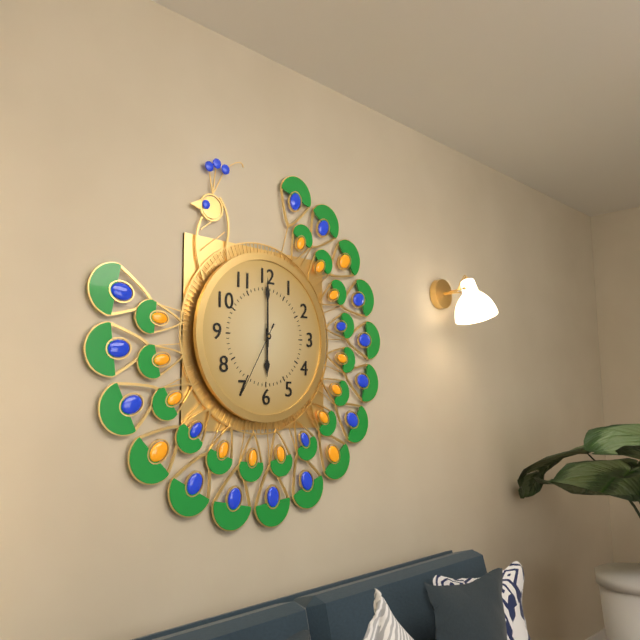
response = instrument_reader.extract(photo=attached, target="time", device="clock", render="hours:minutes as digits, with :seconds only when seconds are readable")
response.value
6:00:35
